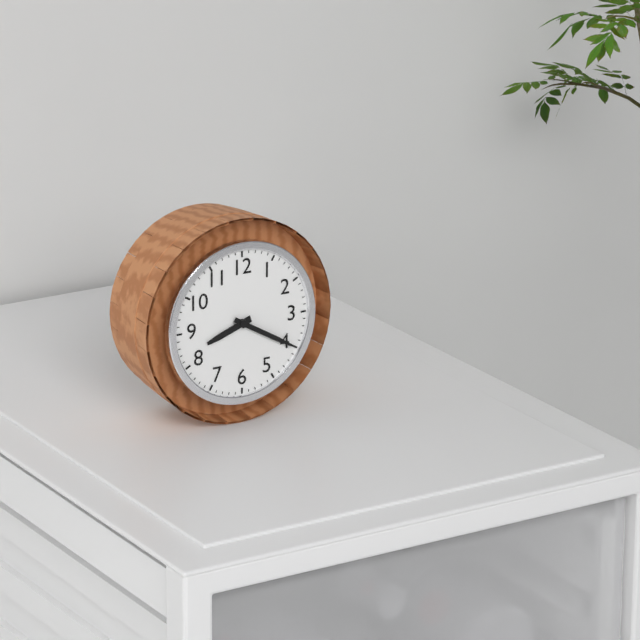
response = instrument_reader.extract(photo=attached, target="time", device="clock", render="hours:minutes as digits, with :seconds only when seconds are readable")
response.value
8:20
